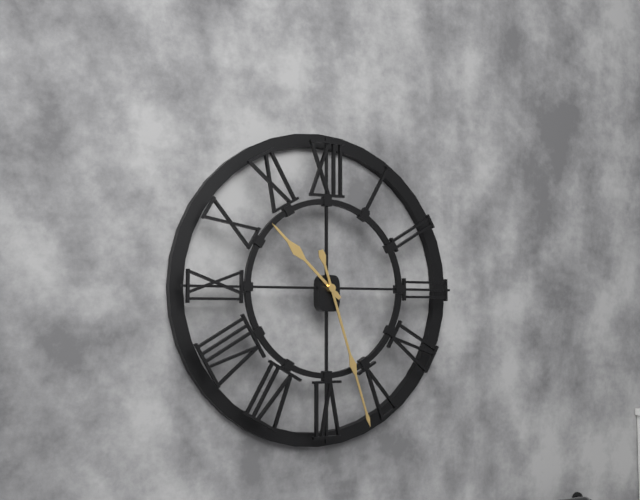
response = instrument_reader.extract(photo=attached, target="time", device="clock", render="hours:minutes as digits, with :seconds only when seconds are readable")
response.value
10:27
